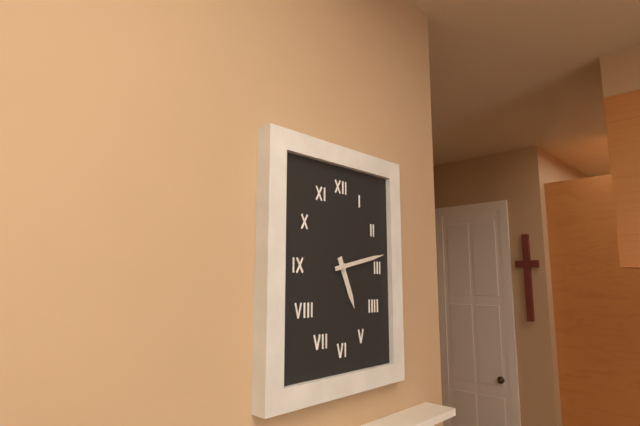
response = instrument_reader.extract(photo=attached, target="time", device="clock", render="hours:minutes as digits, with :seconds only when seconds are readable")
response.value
5:13
